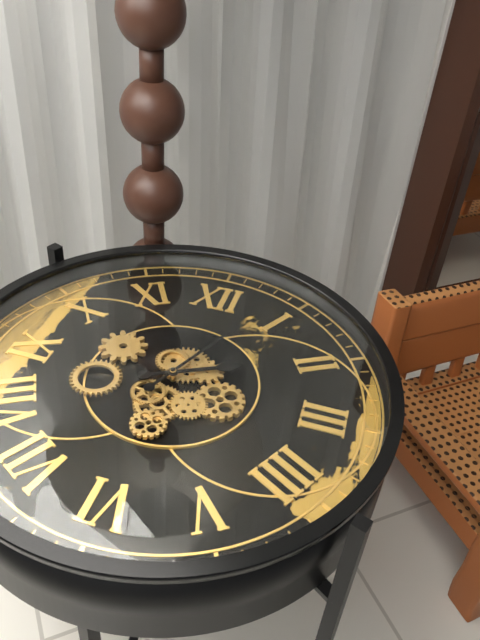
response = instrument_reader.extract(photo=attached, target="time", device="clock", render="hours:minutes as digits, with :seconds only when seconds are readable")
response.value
2:04
